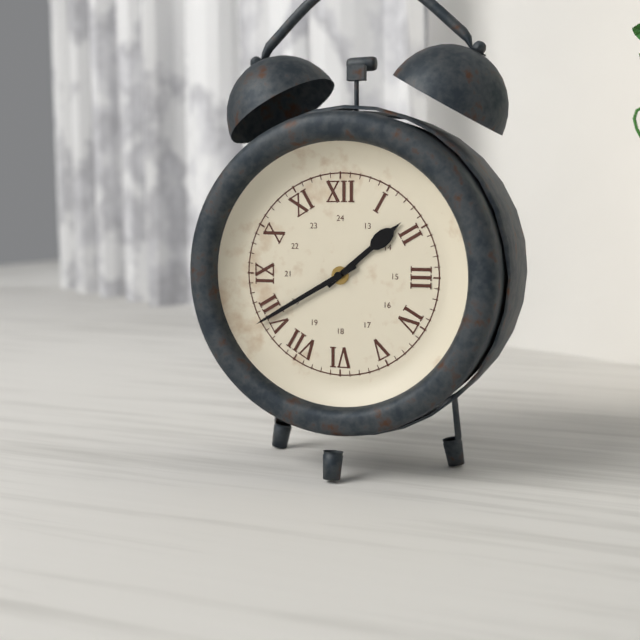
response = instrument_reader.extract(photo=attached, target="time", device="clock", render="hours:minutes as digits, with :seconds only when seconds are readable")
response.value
1:40
